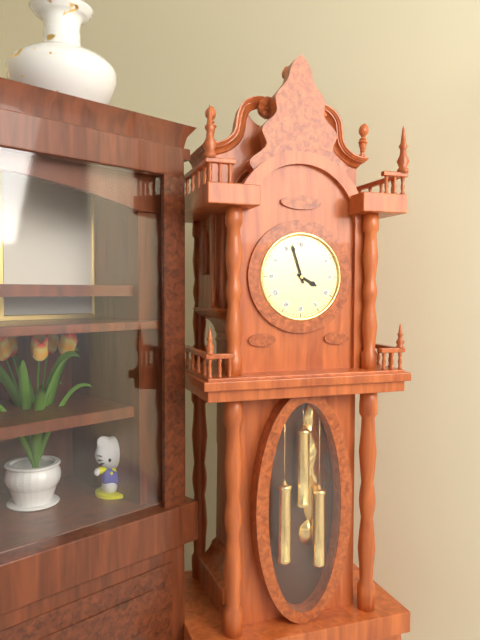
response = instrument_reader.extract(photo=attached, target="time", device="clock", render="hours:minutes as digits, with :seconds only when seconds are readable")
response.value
3:57
